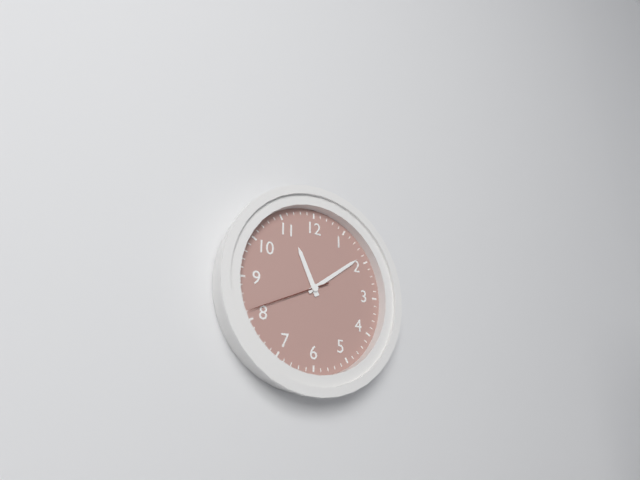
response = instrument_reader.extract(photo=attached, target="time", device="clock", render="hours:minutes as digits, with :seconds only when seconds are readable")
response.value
11:09:41
